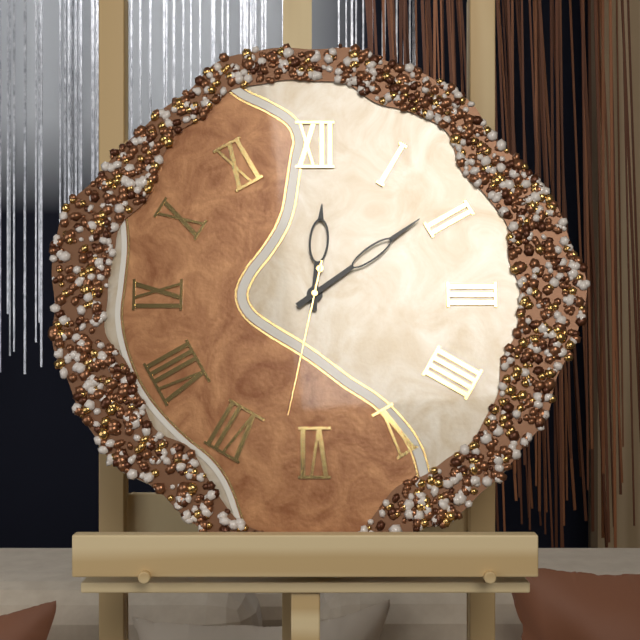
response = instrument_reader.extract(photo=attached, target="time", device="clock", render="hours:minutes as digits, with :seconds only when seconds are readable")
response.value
12:09:32
